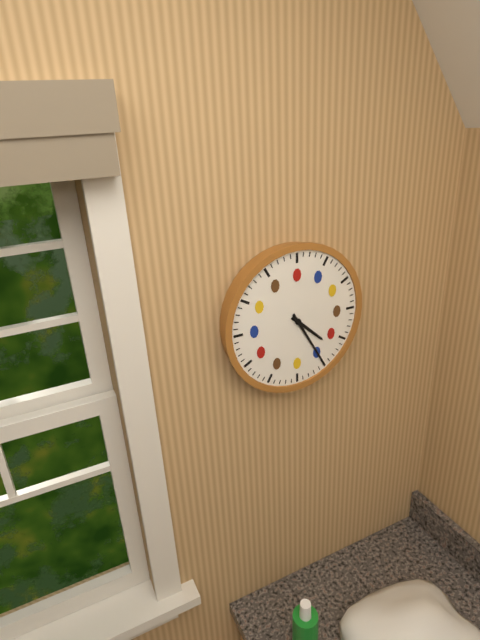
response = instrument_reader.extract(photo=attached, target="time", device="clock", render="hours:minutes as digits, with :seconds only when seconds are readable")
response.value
4:25
